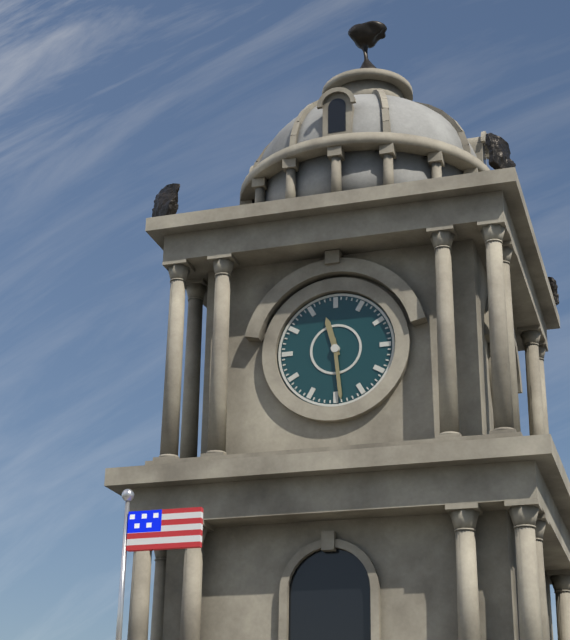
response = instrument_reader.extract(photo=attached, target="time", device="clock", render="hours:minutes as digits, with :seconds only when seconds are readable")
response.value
11:29
